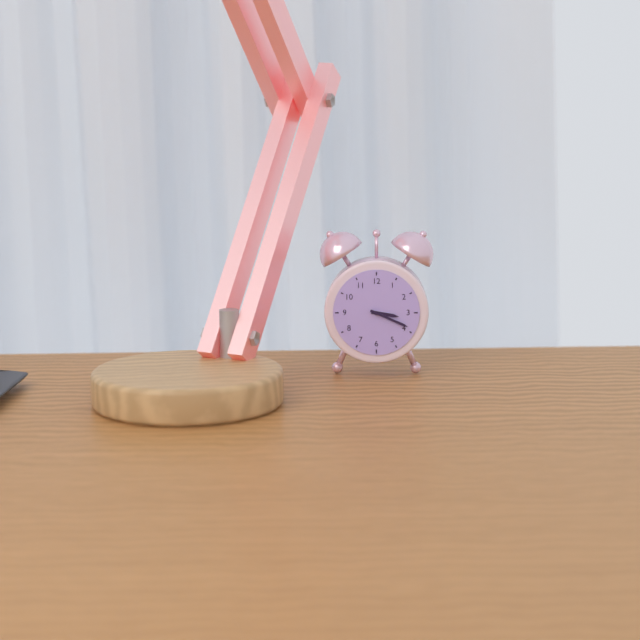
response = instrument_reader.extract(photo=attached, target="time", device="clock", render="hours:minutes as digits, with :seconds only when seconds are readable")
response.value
3:19
